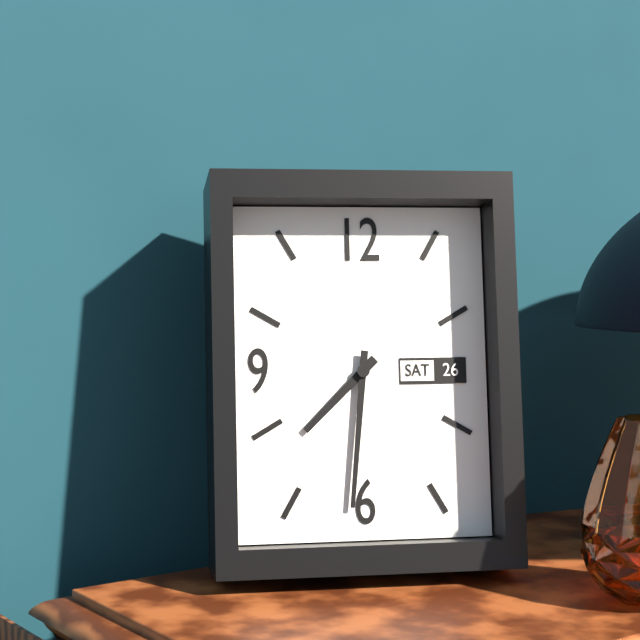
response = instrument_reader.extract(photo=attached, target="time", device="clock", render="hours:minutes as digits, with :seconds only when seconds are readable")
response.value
7:31
